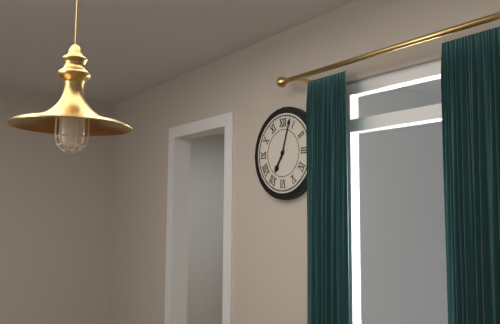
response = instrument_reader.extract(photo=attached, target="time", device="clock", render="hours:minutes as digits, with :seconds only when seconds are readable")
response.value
7:03
